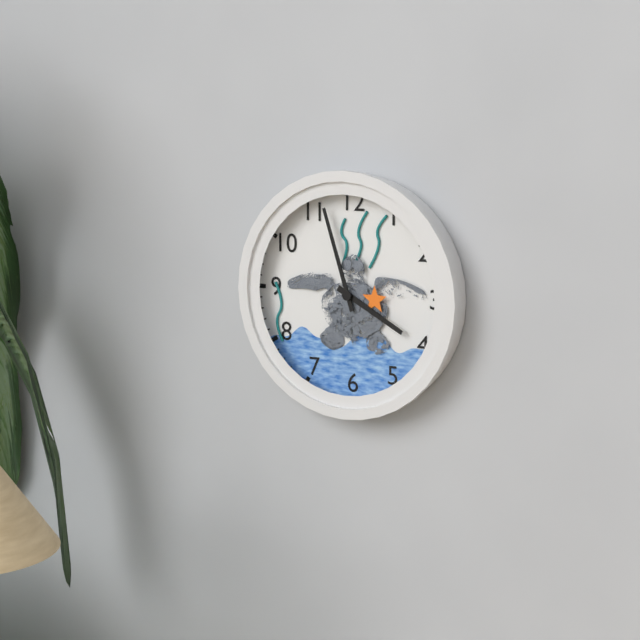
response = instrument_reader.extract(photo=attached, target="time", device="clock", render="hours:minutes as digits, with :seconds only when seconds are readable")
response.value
3:57
